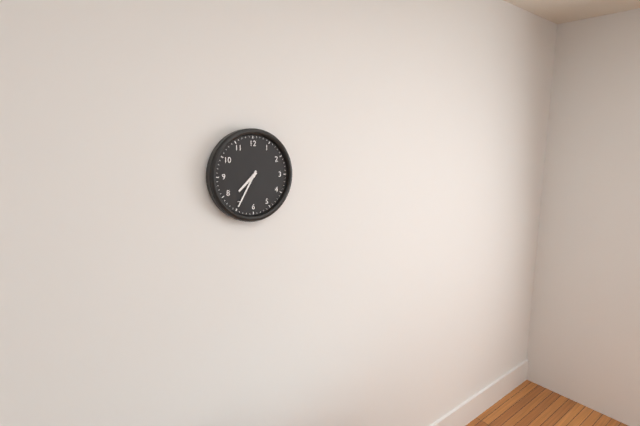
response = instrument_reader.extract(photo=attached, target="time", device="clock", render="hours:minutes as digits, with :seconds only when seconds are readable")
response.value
7:35
